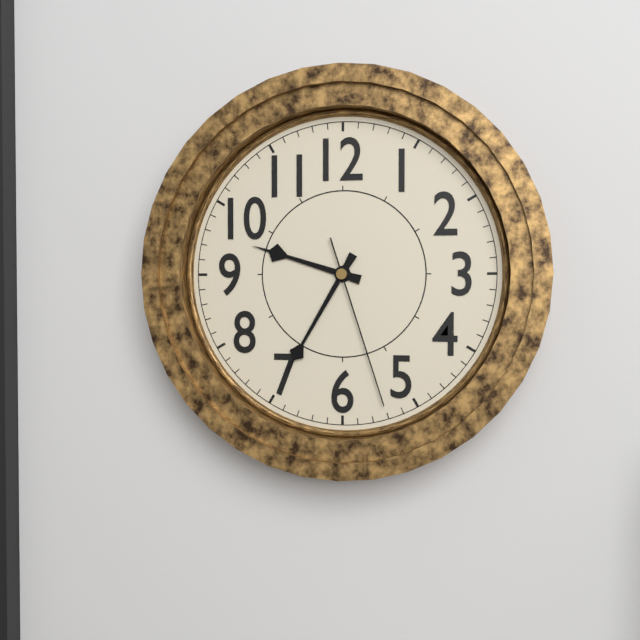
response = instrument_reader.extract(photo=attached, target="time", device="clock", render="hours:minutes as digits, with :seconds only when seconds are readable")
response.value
9:35:27
